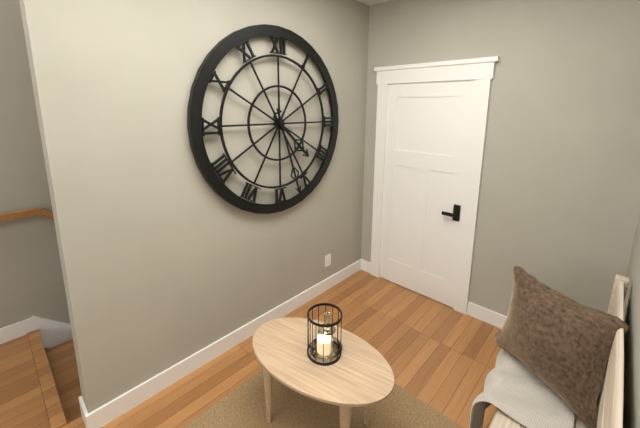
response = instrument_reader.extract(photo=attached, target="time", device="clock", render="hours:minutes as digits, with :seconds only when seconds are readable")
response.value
4:27
